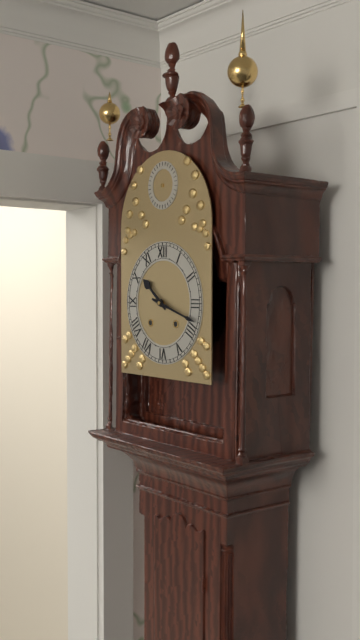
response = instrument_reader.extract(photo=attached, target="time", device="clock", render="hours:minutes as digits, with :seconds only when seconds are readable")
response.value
10:18
